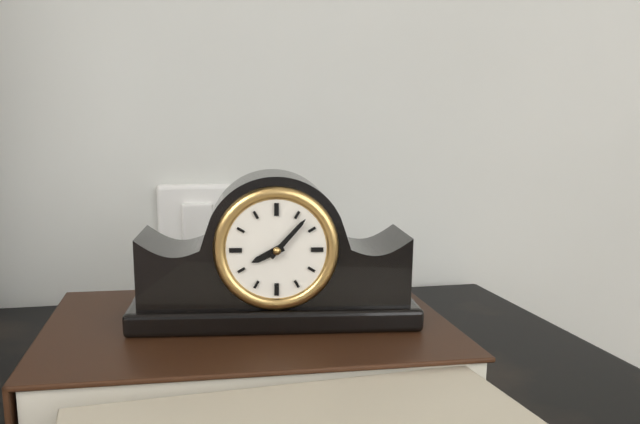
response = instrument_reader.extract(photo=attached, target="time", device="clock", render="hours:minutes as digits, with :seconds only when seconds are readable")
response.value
8:07
